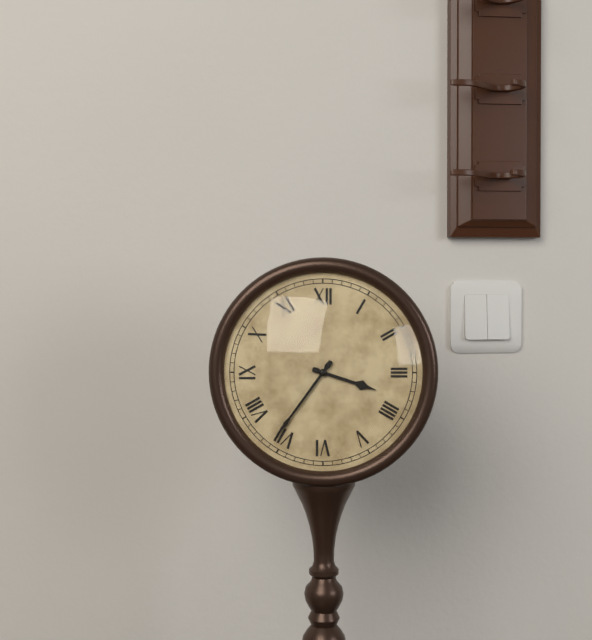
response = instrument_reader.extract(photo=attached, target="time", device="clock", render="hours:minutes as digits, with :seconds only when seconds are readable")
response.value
3:36
